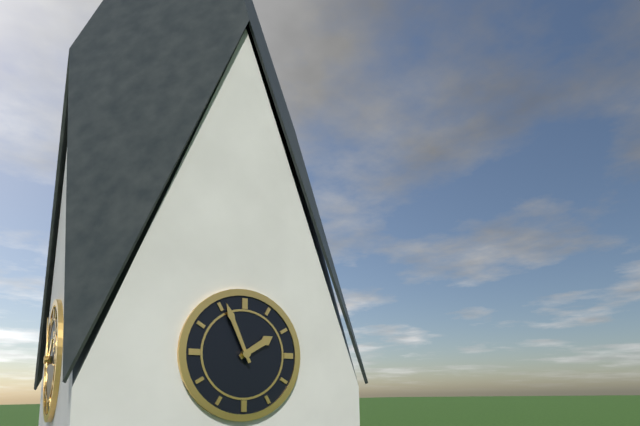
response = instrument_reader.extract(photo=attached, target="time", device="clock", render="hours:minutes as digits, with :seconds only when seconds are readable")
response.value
1:56
